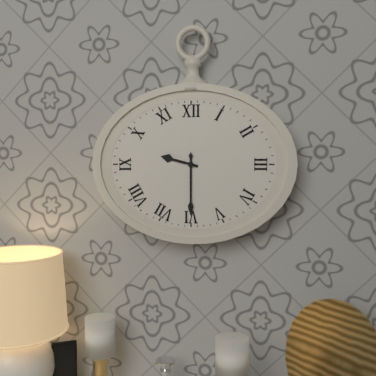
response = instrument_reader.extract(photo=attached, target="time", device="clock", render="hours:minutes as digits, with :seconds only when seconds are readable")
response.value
9:30
